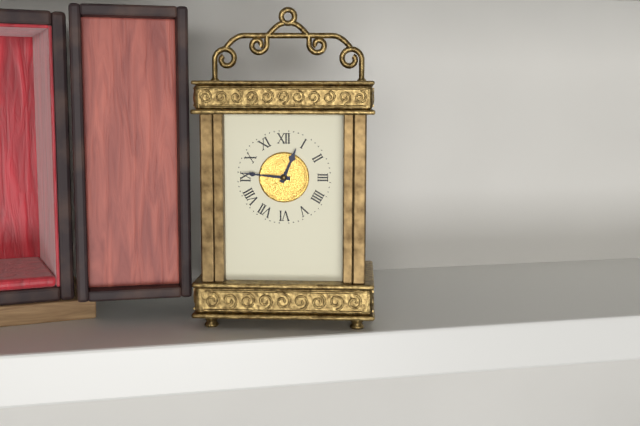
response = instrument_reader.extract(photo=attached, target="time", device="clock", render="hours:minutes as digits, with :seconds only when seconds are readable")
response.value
12:46
